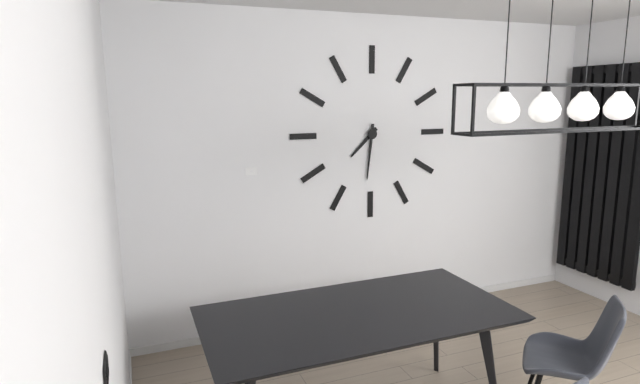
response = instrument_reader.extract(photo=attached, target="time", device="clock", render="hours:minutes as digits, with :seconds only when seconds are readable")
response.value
7:31
